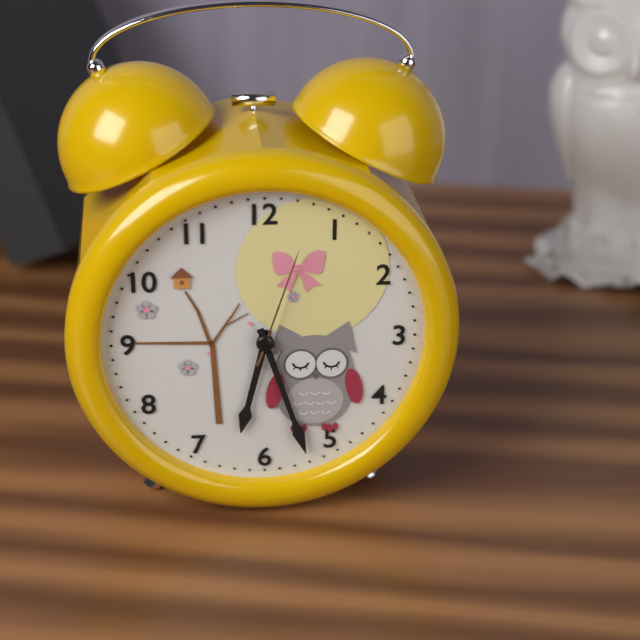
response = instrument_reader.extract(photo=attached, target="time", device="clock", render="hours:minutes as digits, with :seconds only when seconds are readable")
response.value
6:27:03
